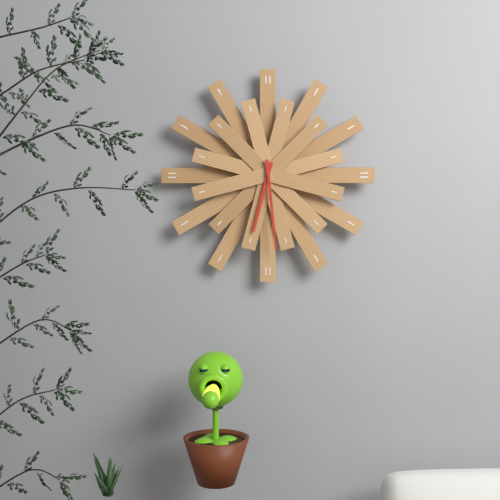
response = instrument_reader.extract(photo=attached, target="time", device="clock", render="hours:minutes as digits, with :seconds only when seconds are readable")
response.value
6:29
